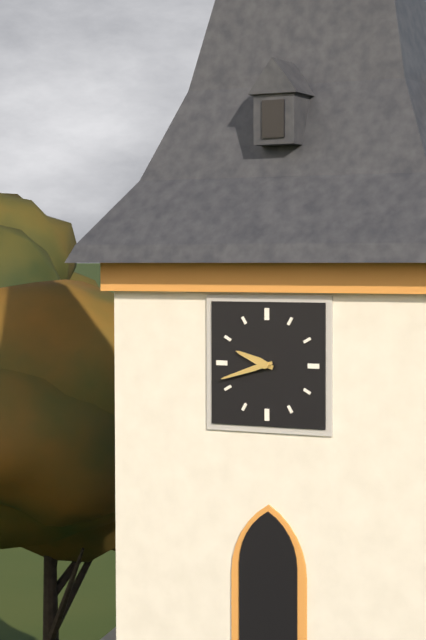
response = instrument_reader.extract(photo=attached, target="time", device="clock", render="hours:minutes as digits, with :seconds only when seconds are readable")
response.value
9:42
